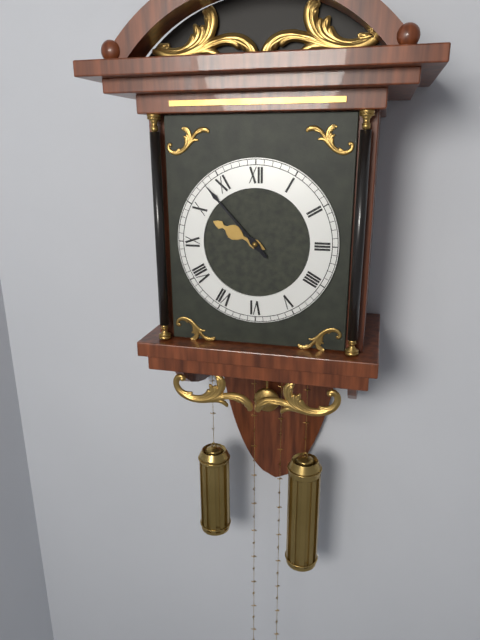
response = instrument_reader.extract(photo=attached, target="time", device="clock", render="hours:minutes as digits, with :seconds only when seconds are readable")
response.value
9:53
